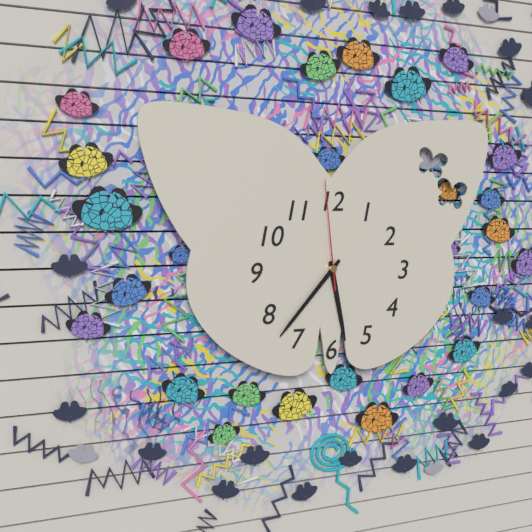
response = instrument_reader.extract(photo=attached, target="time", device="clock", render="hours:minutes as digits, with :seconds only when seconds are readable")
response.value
5:37:59
